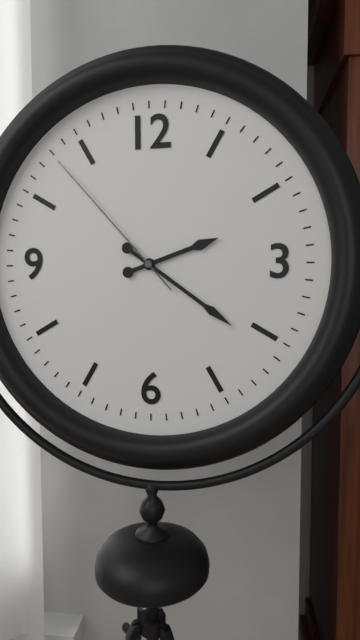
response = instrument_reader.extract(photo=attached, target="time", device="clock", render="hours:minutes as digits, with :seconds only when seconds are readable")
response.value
2:21:53
